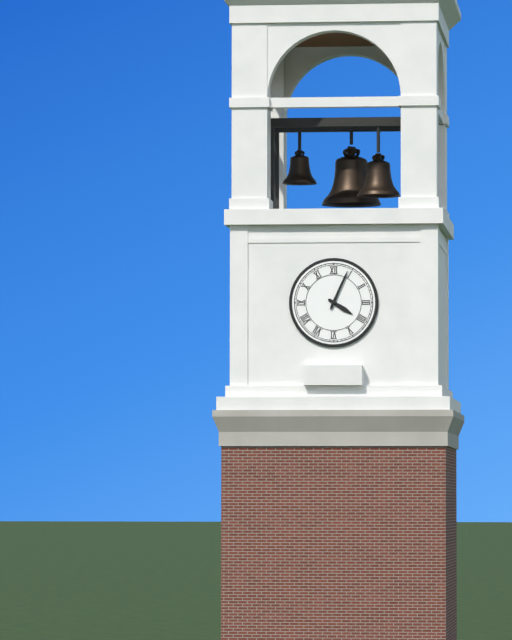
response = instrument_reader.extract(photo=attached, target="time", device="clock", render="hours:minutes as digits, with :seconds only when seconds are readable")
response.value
4:04
